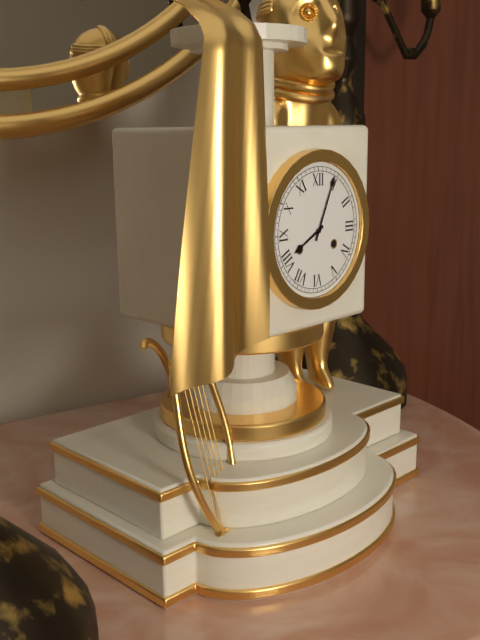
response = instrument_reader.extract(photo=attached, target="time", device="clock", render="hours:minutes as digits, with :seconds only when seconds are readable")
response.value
8:04
